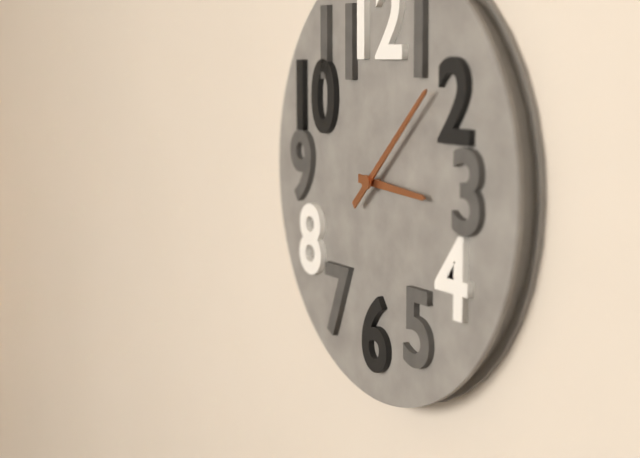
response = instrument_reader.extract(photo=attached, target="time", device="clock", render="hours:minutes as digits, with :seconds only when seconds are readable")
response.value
3:08
